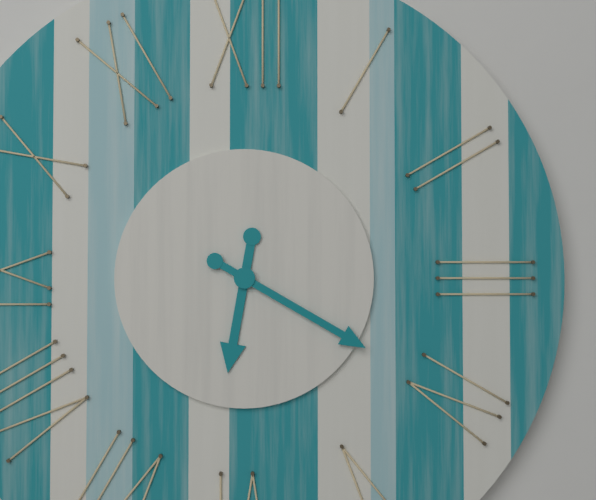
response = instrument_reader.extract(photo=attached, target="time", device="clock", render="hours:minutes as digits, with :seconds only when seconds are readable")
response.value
6:20
